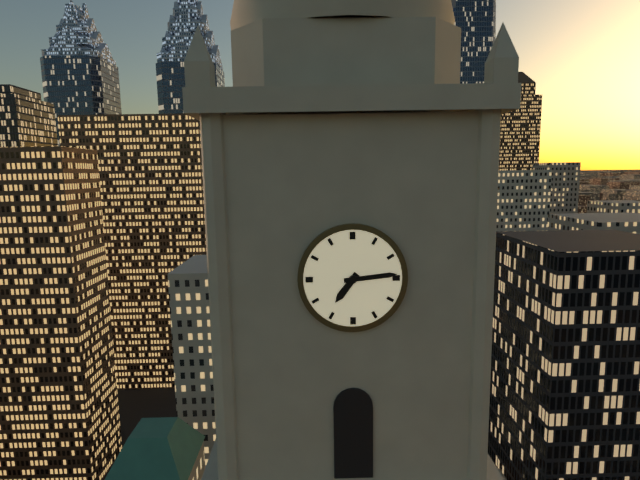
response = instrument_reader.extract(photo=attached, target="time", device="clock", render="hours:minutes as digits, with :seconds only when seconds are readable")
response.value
7:14
